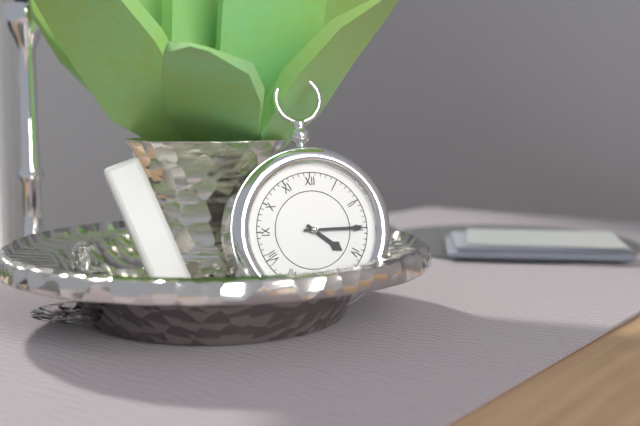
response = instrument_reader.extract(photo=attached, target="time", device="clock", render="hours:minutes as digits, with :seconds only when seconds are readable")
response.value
4:15
